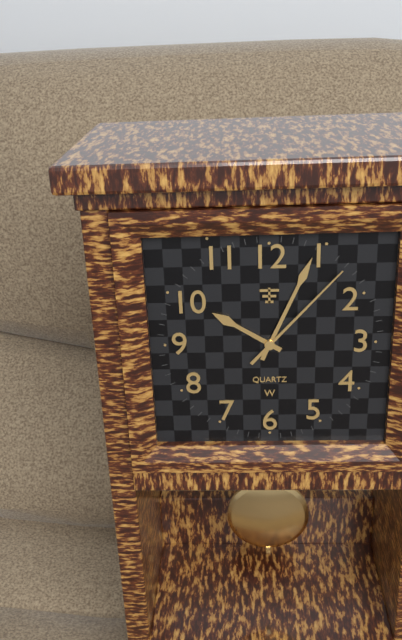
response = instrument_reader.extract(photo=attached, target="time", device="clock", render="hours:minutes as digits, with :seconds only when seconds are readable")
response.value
10:04:07
